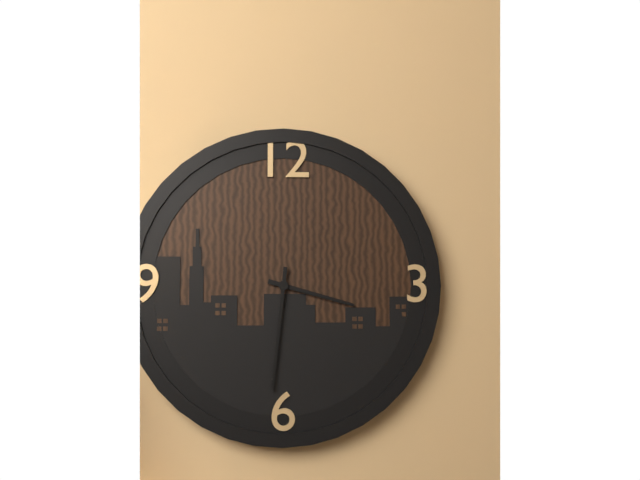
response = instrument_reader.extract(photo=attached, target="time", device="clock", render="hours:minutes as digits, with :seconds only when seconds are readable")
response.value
3:31
